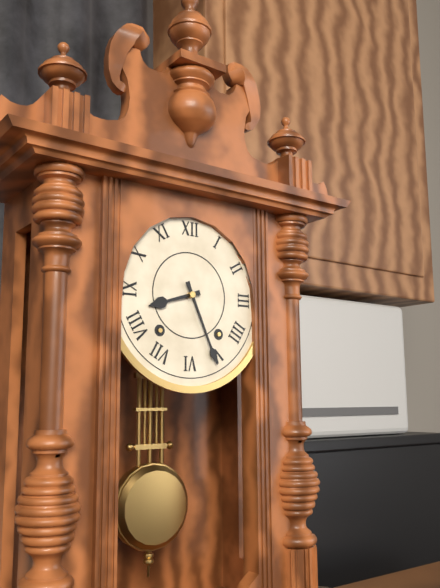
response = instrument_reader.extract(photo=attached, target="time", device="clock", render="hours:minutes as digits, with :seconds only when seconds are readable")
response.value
8:26
